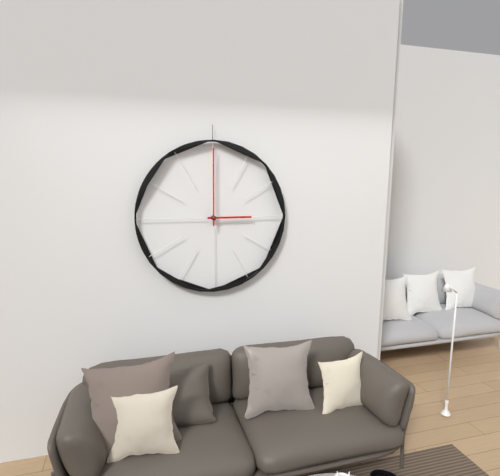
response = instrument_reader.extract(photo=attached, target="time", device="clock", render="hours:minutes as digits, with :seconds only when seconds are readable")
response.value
3:00
